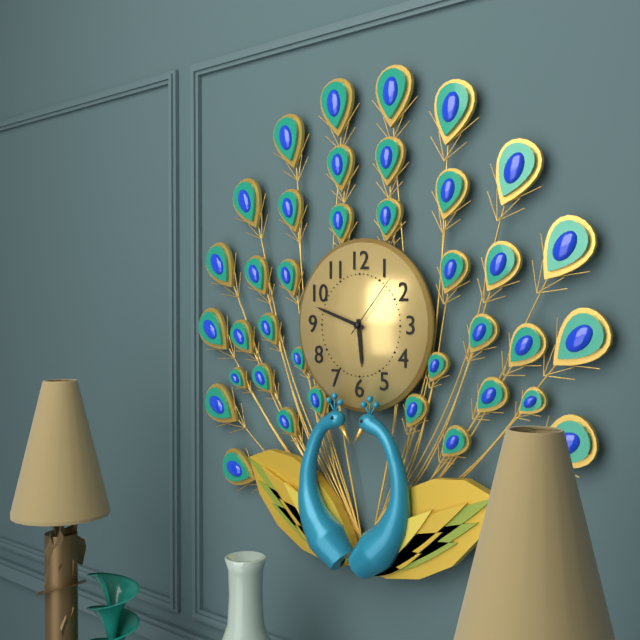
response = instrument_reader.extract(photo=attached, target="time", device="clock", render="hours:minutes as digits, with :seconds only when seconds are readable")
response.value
5:48:07
